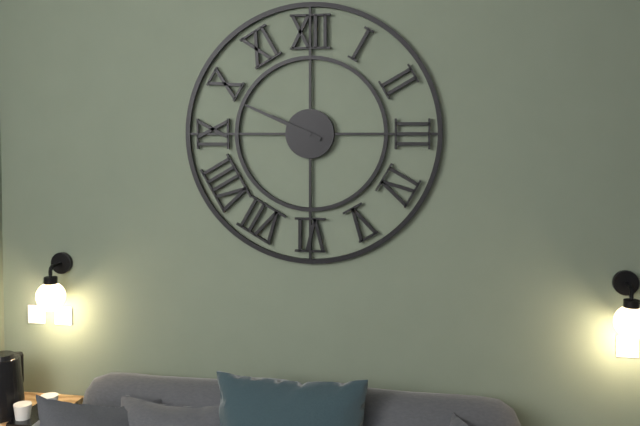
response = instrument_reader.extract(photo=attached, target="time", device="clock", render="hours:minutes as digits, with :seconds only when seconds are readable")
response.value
9:49
